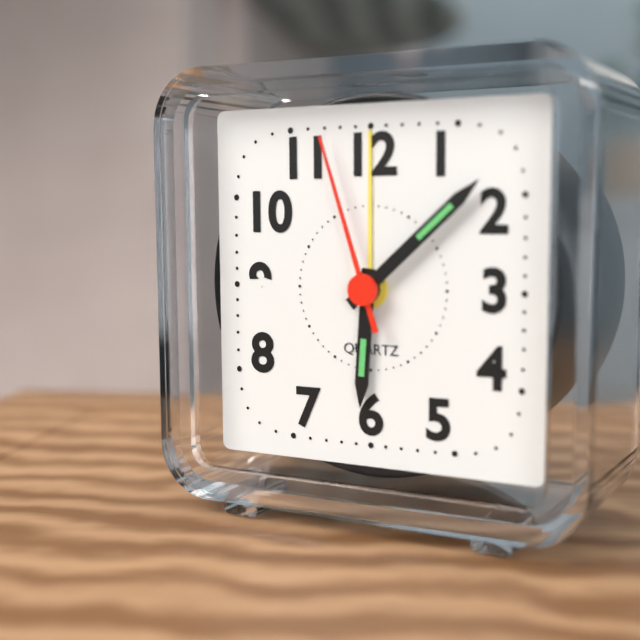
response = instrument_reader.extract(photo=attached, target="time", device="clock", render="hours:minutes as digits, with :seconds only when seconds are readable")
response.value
6:08:57
